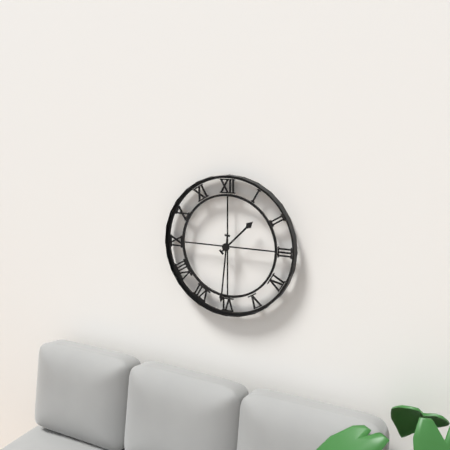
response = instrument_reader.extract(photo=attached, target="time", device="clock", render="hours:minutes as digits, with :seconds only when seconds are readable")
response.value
1:31
